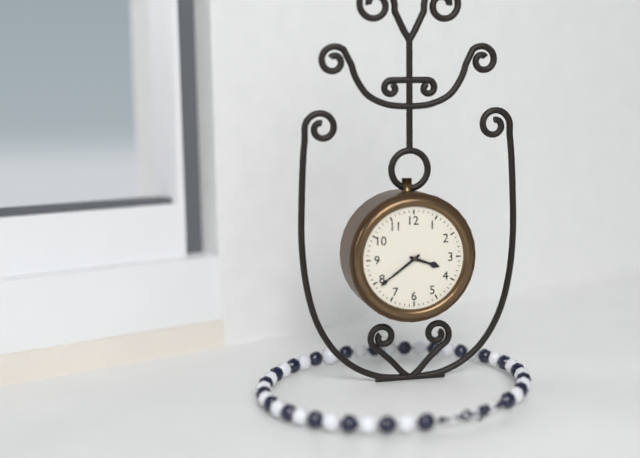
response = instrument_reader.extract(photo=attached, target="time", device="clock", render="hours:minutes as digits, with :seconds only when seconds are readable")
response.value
3:39
